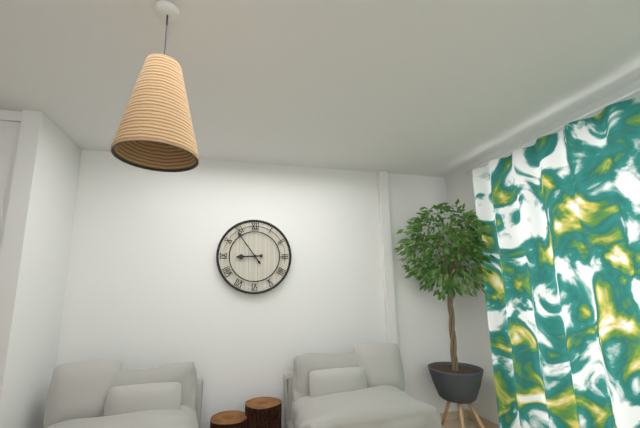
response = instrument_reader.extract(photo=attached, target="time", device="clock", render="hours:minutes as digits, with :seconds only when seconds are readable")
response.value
8:54
